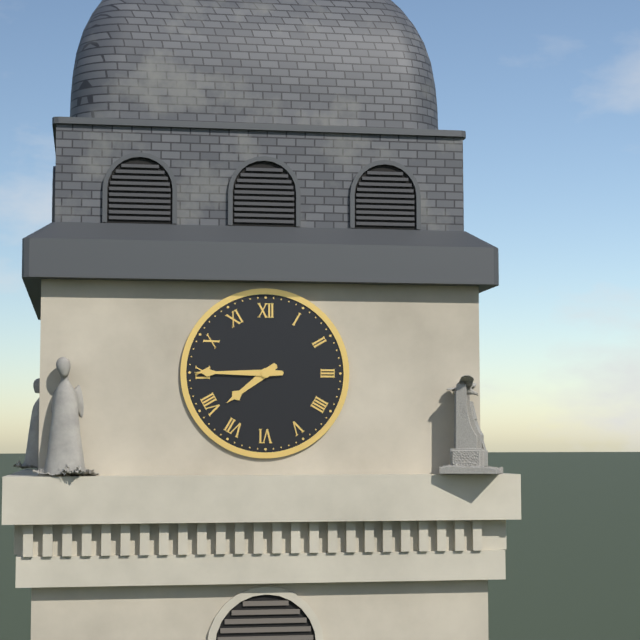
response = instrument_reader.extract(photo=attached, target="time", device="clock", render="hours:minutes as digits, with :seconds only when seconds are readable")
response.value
7:45
